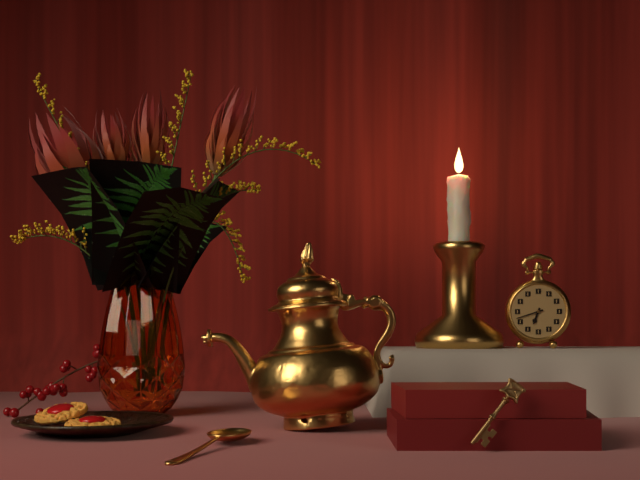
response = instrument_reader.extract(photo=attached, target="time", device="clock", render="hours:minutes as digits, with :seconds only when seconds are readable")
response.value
6:42
